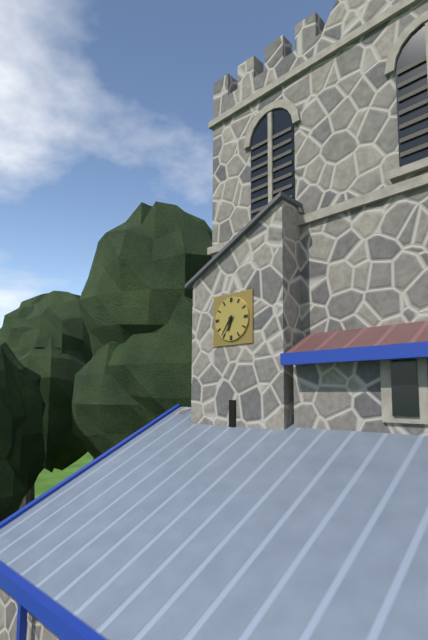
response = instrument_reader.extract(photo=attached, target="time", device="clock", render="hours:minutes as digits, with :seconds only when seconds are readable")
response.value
6:36
